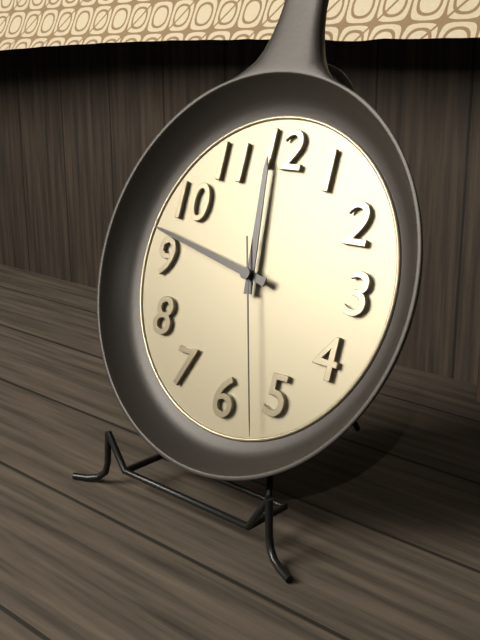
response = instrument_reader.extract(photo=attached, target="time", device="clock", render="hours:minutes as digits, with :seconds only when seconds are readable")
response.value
11:47:27
